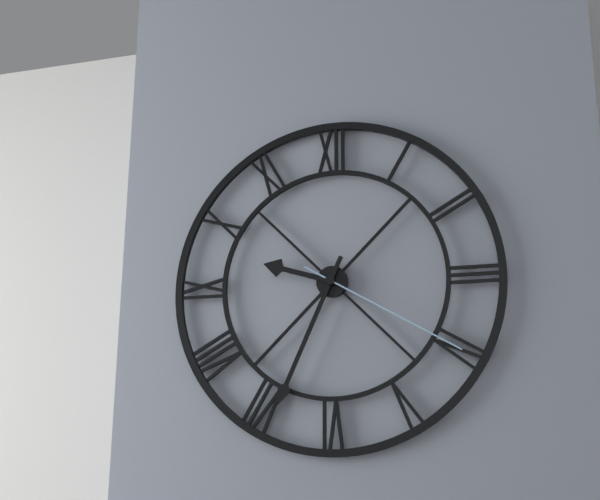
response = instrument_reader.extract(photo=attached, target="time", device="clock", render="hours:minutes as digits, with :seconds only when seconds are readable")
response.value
9:34:20
